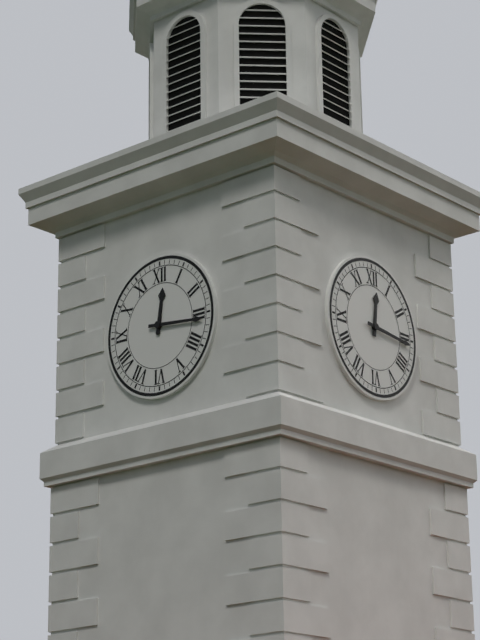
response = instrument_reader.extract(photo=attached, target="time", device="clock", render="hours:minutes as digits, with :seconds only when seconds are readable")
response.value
12:16
